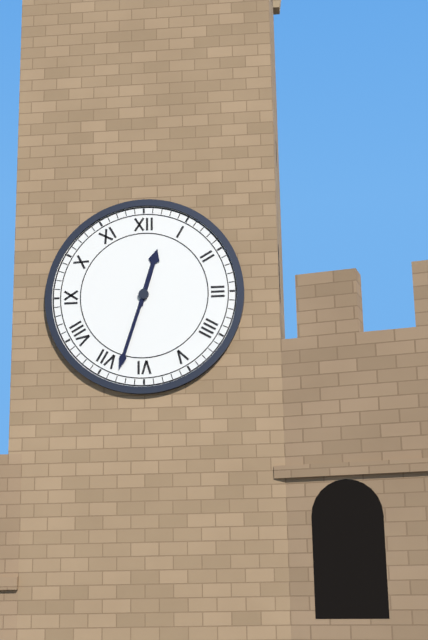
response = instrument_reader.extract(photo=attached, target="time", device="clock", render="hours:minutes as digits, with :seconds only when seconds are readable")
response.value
12:33
